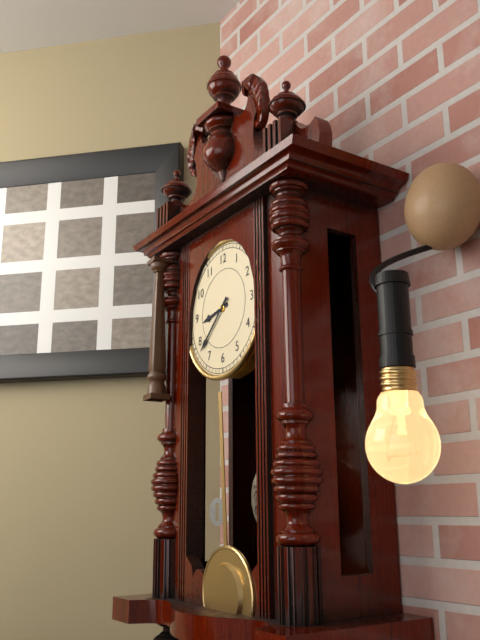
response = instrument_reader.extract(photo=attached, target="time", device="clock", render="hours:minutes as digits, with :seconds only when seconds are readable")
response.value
8:38
